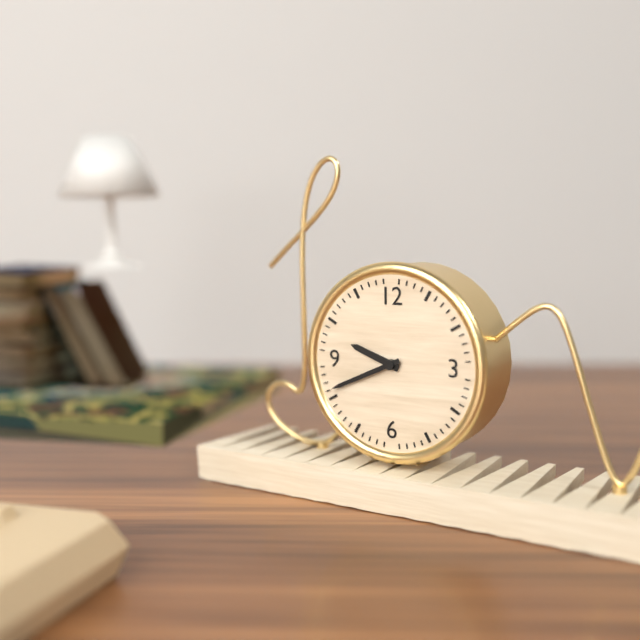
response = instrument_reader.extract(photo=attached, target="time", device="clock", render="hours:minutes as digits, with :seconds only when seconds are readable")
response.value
9:41
